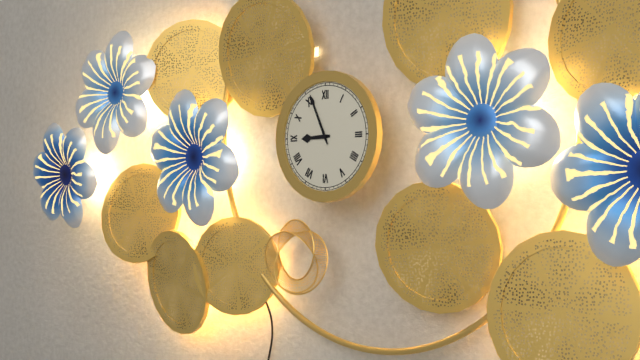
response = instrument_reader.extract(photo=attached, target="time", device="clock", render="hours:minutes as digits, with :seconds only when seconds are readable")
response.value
8:56
